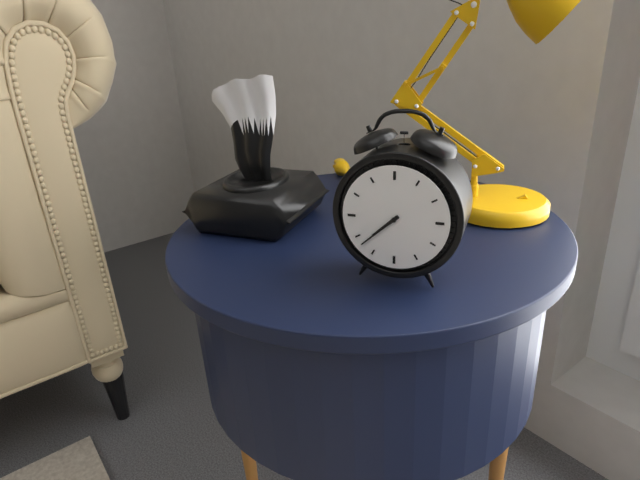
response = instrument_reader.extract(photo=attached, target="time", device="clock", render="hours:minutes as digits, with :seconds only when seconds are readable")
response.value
7:38
